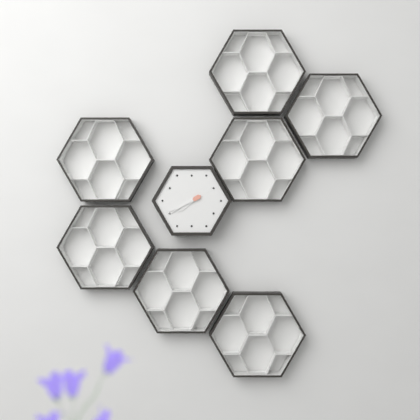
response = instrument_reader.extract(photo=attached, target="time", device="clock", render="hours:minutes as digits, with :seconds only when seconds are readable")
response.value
7:41
